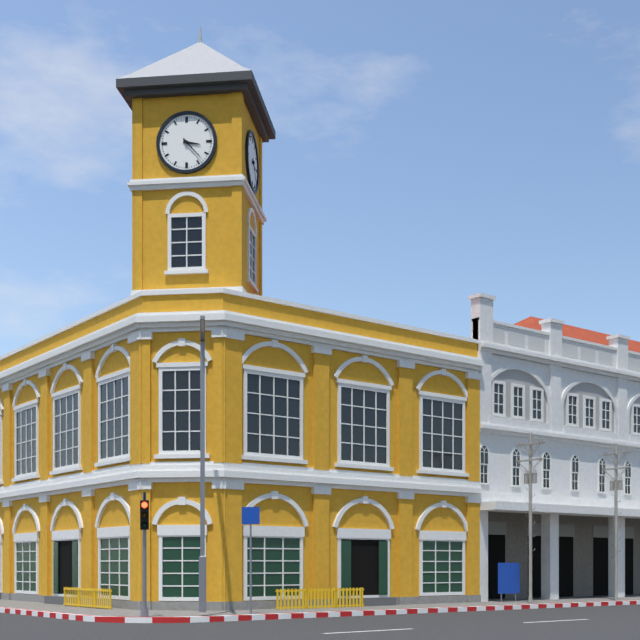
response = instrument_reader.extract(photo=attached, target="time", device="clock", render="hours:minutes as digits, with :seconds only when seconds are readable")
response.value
3:23
